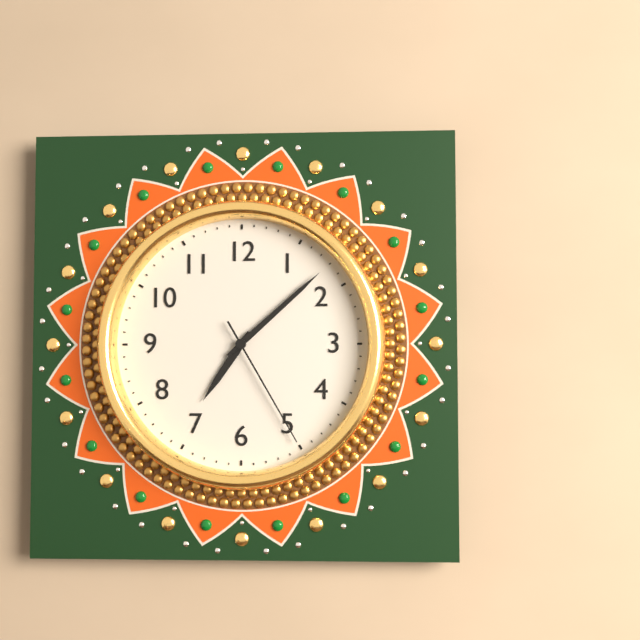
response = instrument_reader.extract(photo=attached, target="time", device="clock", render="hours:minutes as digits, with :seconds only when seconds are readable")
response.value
7:08:25
